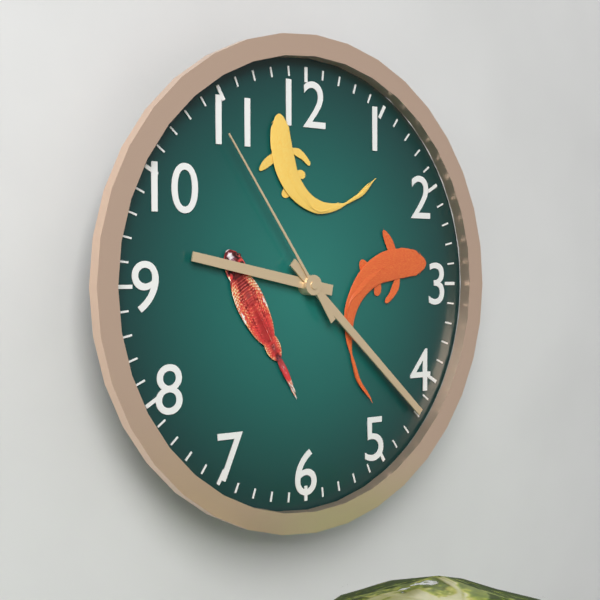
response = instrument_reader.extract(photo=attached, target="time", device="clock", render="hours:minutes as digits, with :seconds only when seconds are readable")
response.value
9:22:54
